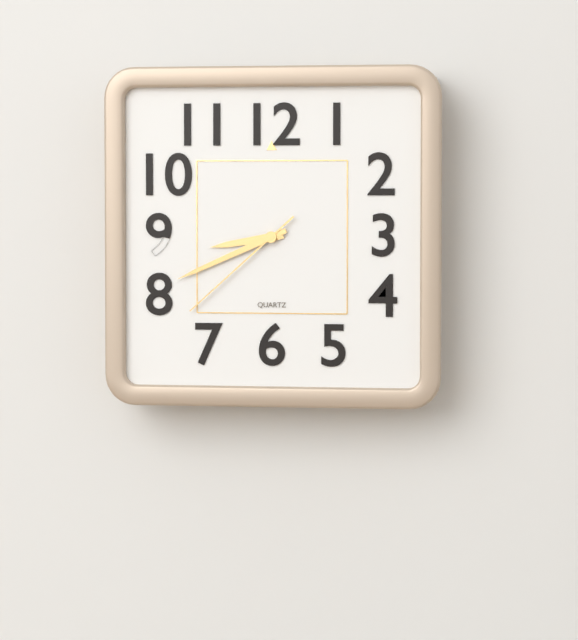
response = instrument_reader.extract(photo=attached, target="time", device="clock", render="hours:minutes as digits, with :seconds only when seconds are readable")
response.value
8:41:38
